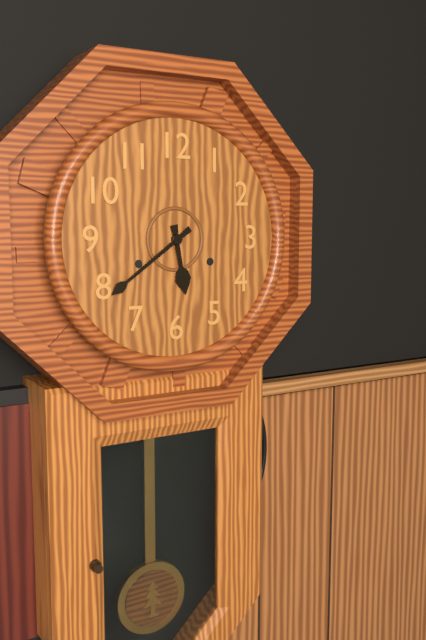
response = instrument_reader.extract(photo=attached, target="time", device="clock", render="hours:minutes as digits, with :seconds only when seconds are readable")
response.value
5:39
